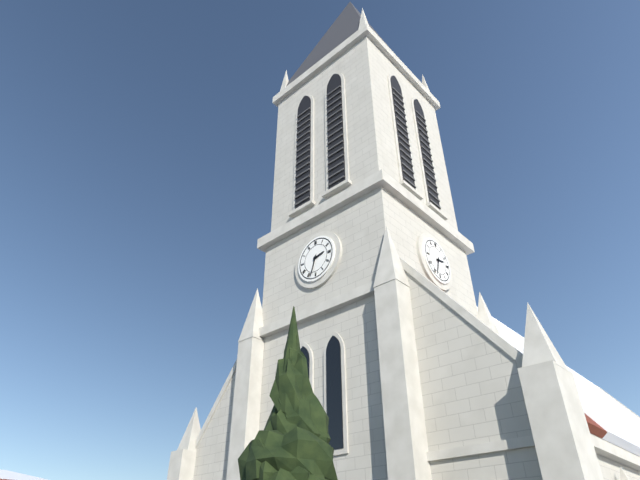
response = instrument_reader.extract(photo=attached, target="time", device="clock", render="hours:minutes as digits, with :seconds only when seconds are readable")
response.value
2:33
